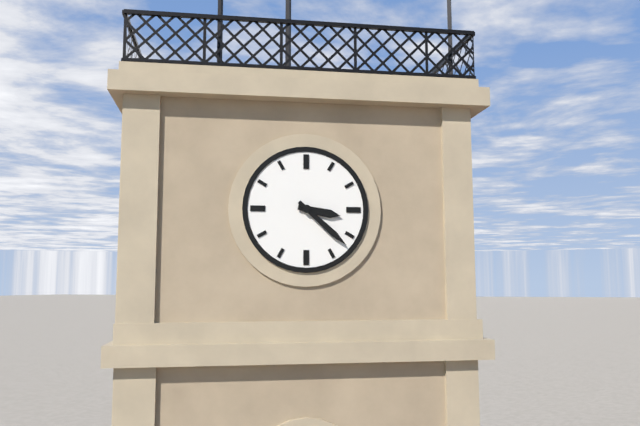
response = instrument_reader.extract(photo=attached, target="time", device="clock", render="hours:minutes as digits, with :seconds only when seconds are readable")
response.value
3:22
